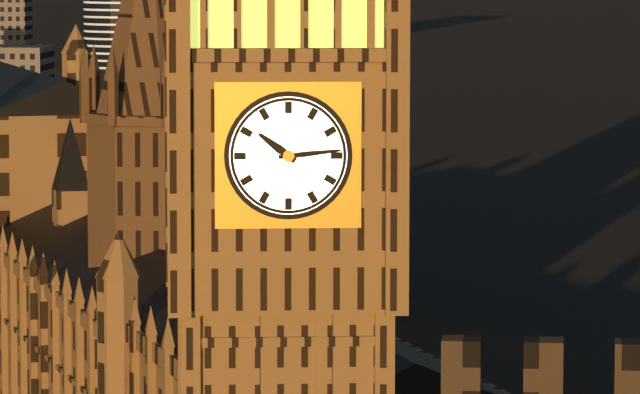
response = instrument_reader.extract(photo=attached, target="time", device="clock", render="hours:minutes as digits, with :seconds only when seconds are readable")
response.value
10:14
